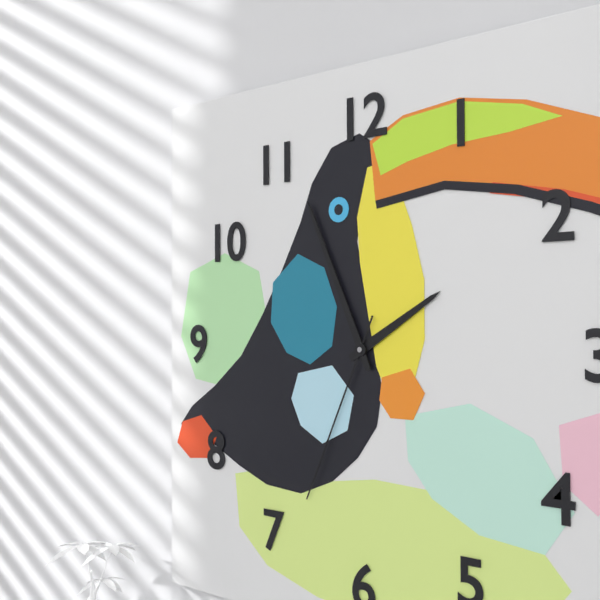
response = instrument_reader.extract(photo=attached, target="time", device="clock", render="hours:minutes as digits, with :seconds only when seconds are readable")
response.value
1:56:34
